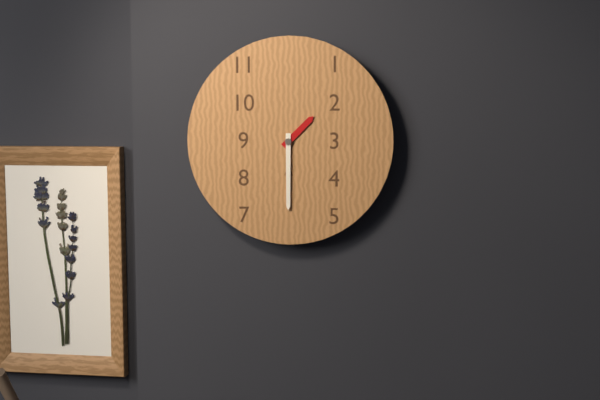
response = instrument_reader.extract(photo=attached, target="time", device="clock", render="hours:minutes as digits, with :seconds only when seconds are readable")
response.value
1:30
